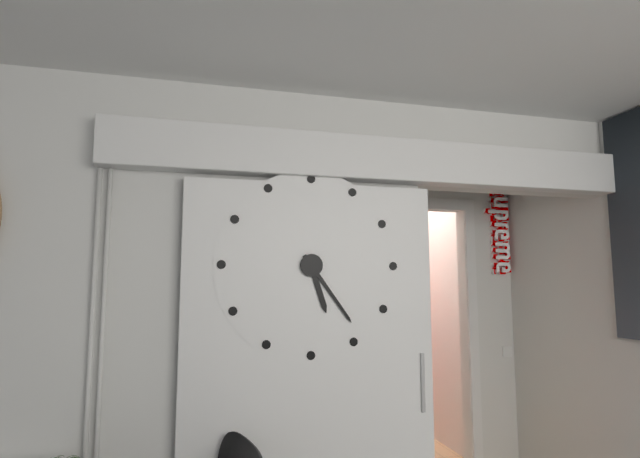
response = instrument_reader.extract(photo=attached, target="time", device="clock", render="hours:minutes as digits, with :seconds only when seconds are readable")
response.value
5:24
